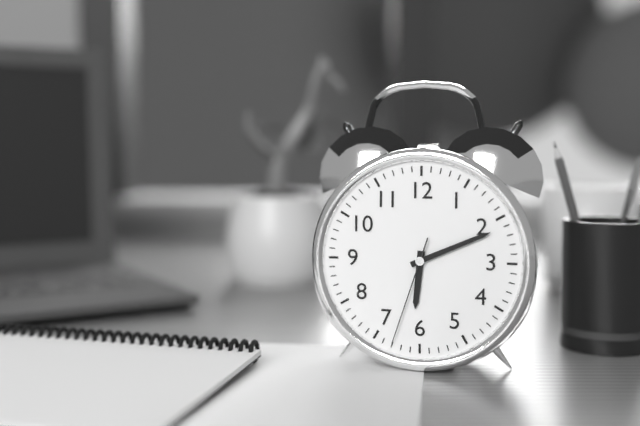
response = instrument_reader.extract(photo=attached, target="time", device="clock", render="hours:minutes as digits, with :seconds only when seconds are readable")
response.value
6:11:33
